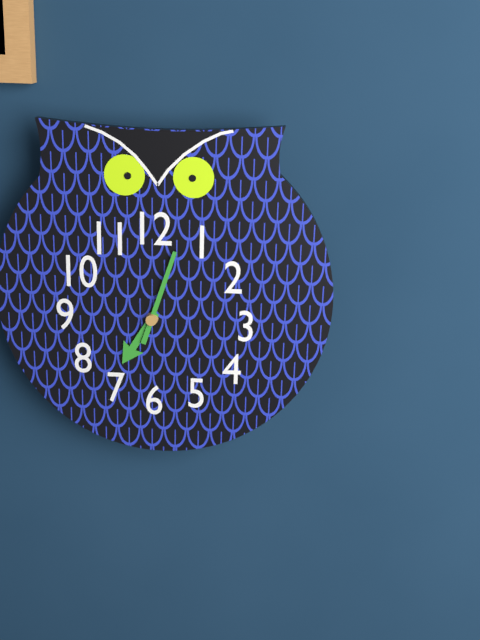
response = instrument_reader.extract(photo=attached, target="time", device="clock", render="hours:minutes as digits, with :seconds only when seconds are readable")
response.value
7:03
